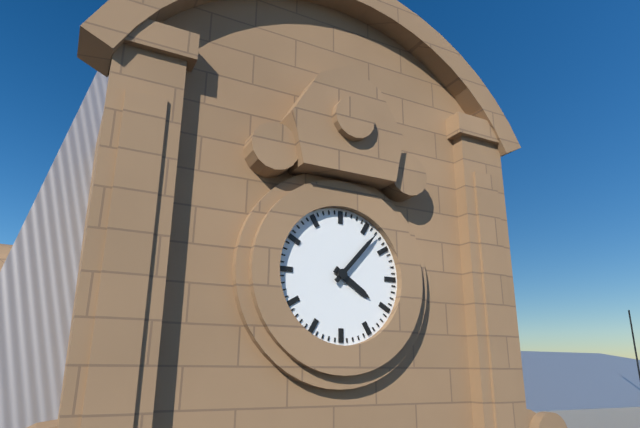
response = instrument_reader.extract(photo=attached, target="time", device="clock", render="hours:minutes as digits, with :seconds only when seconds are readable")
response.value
4:07
